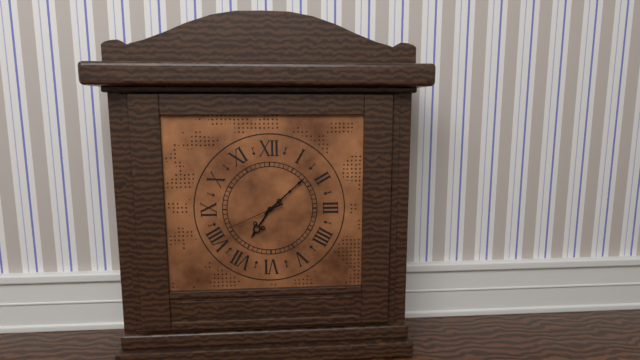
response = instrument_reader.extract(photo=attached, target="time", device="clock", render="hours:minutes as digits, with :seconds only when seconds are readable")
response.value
7:08:41
